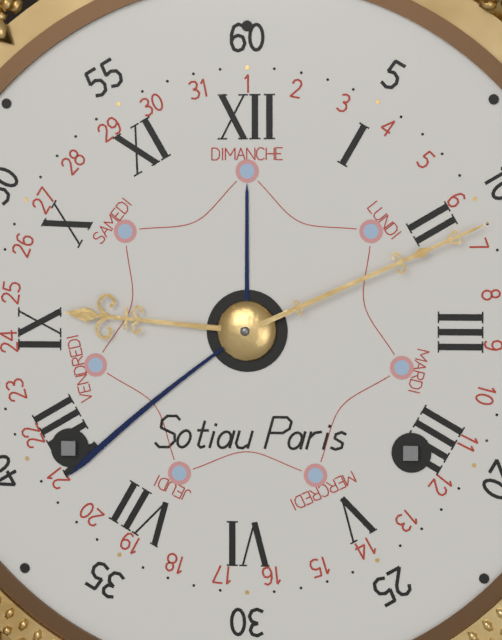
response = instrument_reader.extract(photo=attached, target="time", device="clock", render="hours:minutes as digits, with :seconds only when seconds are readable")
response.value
9:11
